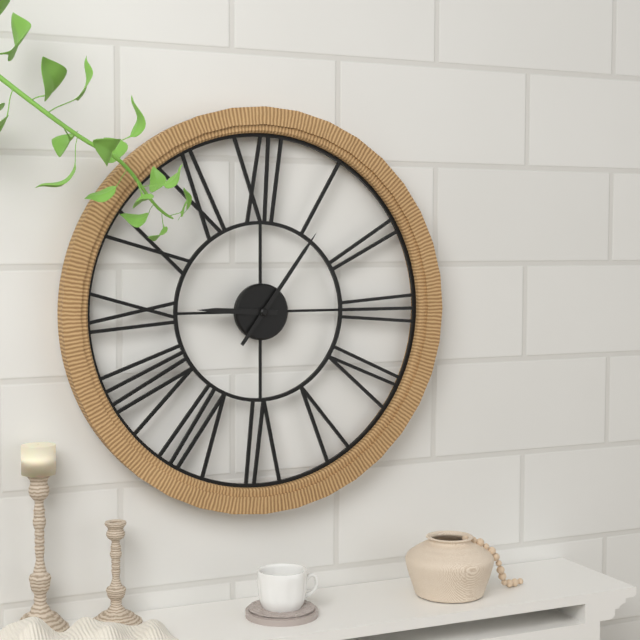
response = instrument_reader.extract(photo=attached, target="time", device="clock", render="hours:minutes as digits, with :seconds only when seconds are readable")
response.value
9:06
